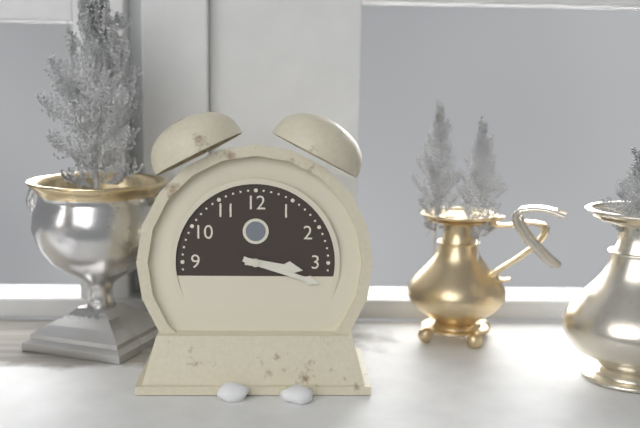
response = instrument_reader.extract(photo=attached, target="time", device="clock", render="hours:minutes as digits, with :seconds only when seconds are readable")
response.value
3:18
